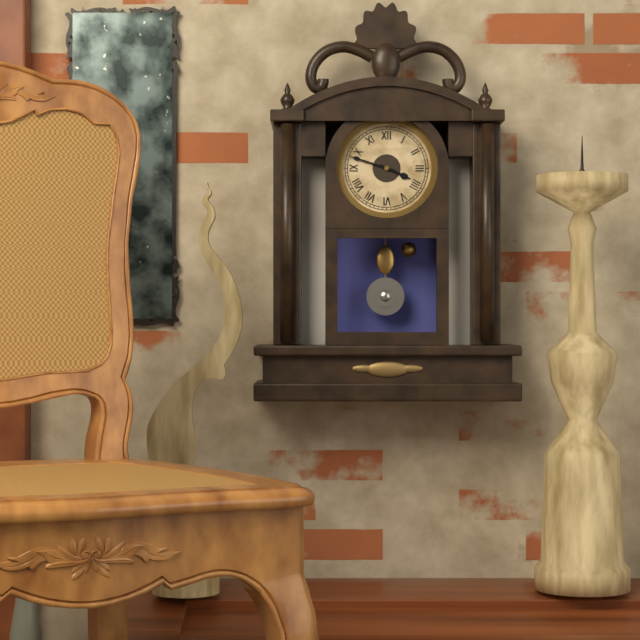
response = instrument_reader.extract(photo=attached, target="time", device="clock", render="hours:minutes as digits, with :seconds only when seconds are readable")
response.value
3:48
